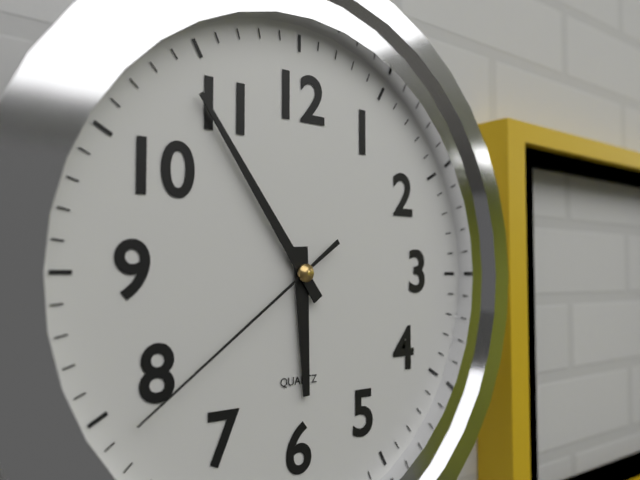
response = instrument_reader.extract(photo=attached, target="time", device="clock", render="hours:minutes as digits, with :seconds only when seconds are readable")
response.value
5:54:39
